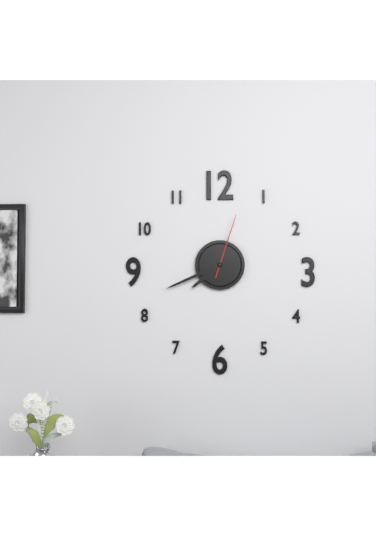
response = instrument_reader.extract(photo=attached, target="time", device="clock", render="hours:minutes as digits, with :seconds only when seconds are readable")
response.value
7:41:03
